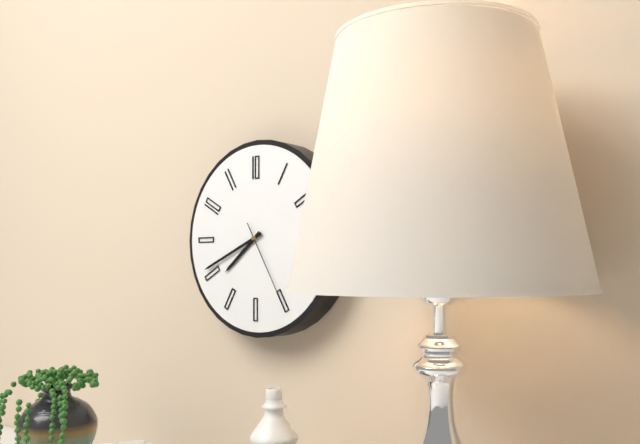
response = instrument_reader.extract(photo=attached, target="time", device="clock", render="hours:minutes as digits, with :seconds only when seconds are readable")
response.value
7:41:25
